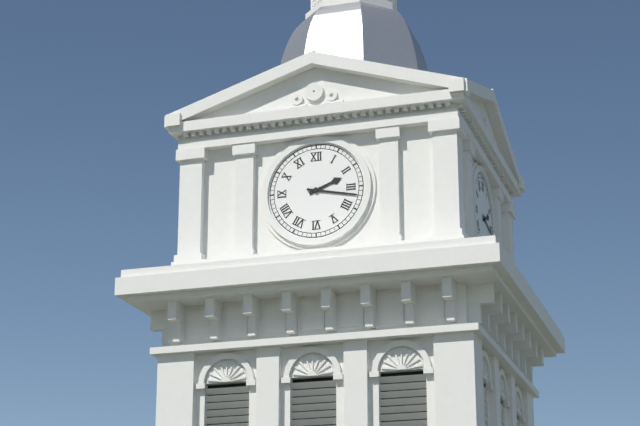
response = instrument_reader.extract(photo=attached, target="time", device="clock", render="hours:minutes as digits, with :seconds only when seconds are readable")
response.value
2:17
